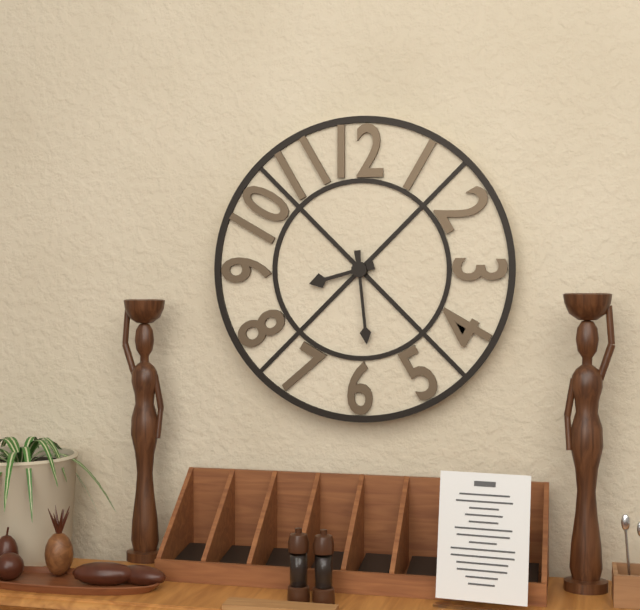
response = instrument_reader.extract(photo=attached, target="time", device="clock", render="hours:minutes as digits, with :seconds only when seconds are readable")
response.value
8:29
